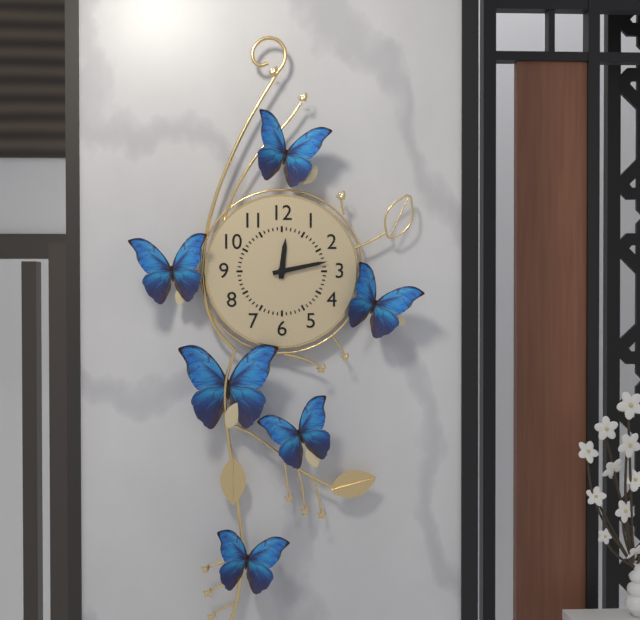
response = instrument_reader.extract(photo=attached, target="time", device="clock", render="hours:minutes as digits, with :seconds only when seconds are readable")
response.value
12:13
